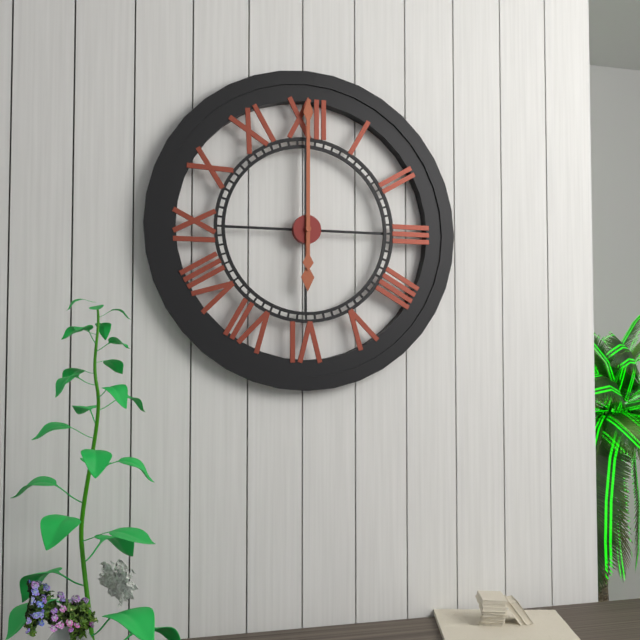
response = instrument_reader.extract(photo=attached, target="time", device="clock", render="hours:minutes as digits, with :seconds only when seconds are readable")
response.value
6:00
